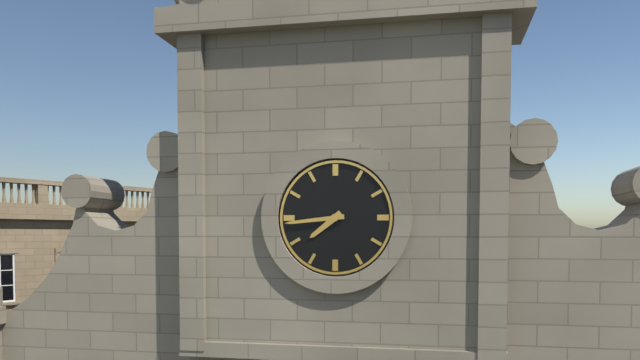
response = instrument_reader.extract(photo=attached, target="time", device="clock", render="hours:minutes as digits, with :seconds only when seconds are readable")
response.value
7:44
